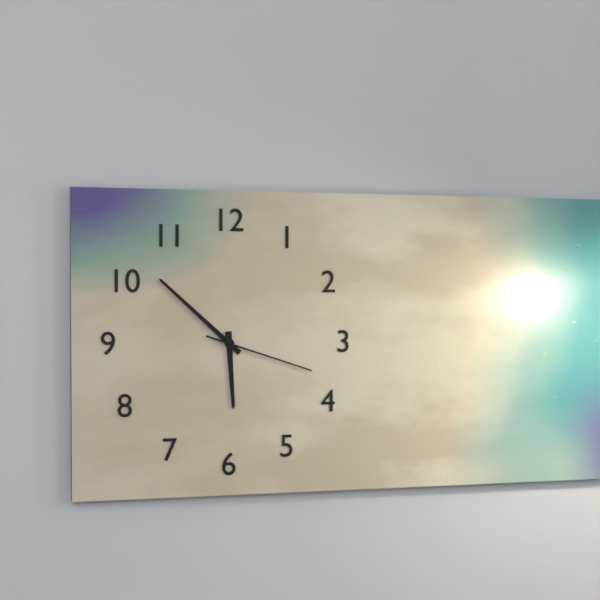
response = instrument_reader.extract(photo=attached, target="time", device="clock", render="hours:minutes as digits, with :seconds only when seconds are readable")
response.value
5:52:18
